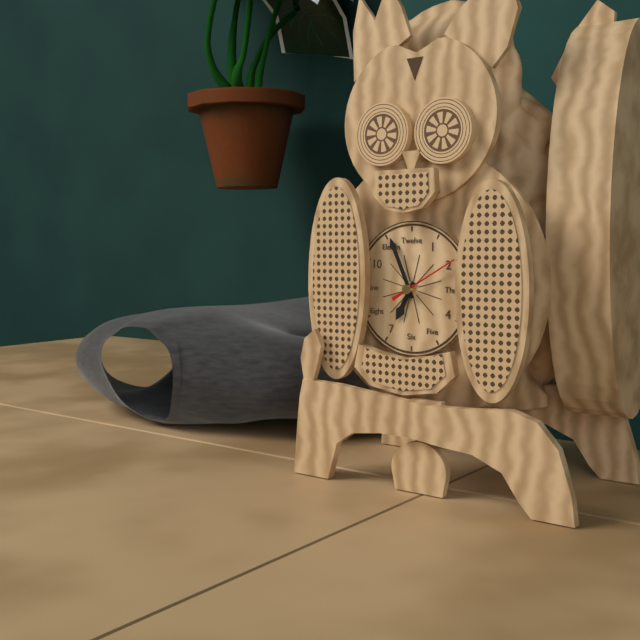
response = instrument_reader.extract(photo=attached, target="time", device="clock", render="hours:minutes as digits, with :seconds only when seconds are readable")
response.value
6:56:10
